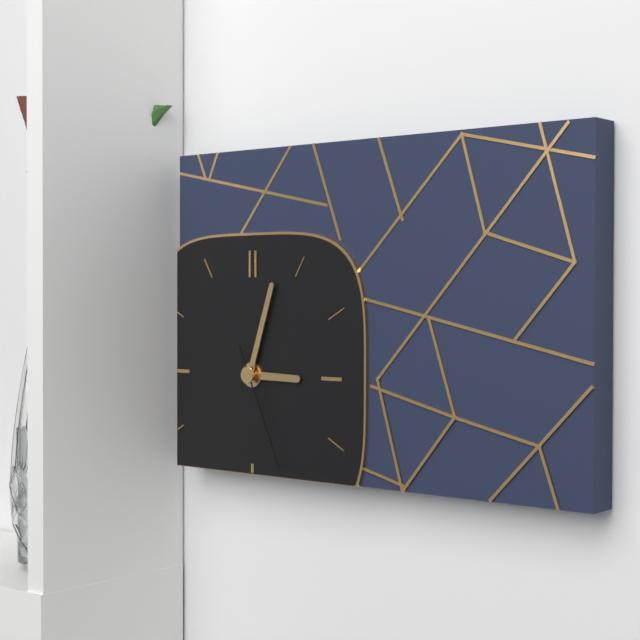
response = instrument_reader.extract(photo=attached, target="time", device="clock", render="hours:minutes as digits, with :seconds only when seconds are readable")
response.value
3:03:26
